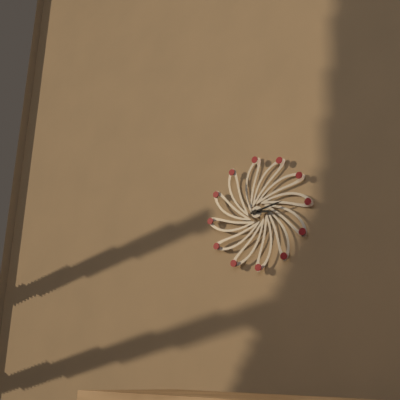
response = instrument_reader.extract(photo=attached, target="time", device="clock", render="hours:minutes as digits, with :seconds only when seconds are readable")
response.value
3:13
